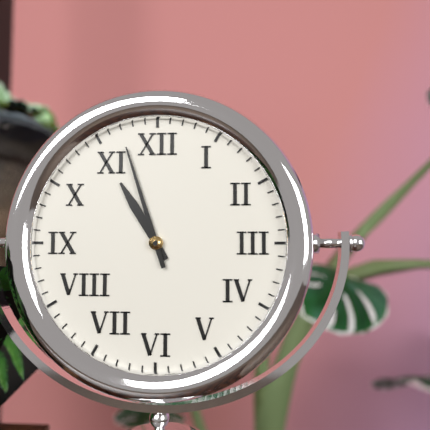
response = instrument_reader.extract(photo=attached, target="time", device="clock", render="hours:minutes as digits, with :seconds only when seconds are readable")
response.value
10:57
